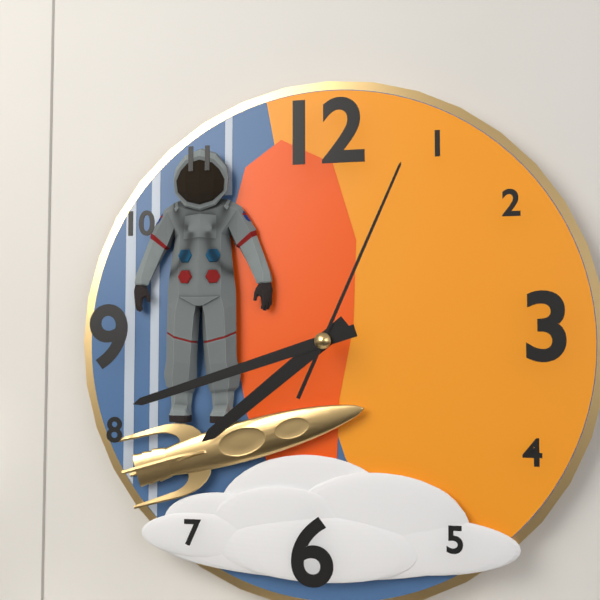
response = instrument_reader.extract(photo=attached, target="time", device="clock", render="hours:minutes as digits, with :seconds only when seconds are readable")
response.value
7:42:04
